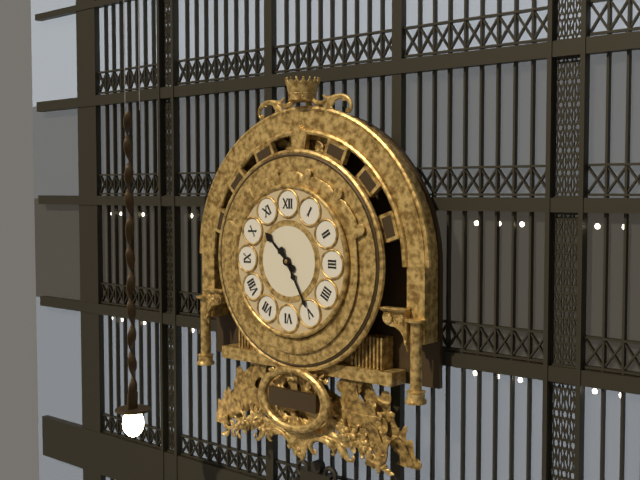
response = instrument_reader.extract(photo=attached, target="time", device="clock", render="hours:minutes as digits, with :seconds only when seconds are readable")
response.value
10:25
